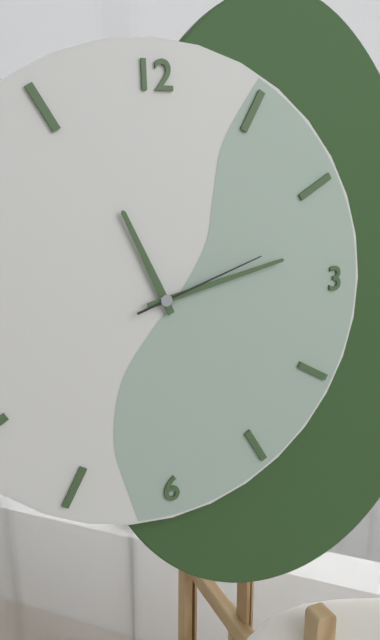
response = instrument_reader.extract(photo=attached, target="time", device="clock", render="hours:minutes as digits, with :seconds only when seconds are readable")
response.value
11:13:12
